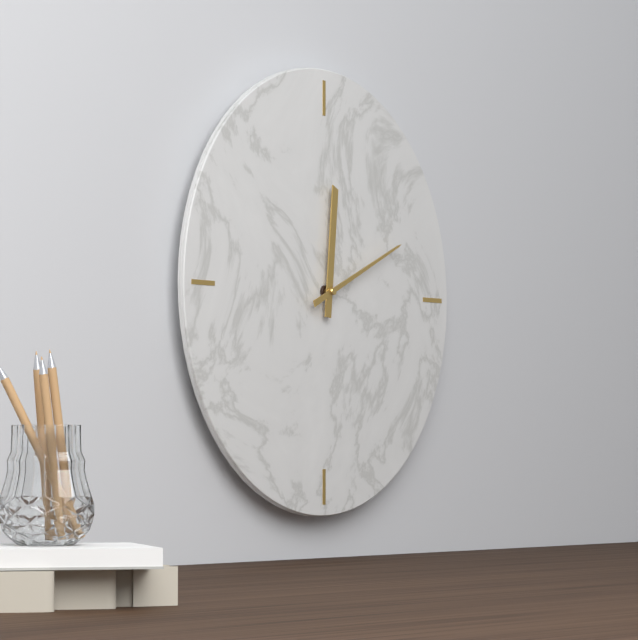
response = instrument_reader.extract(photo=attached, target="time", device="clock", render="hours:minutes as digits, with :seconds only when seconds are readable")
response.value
12:11
